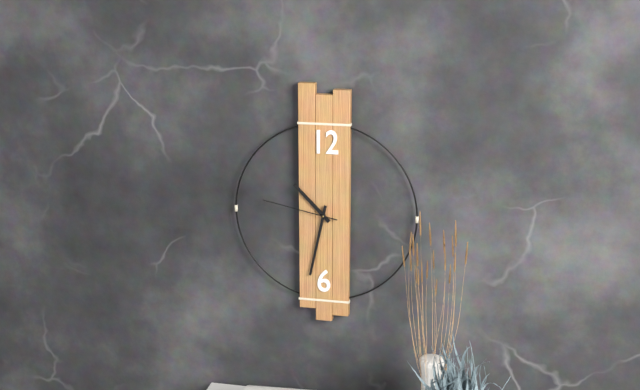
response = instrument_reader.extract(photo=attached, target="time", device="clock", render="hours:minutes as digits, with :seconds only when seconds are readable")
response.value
10:32:47
